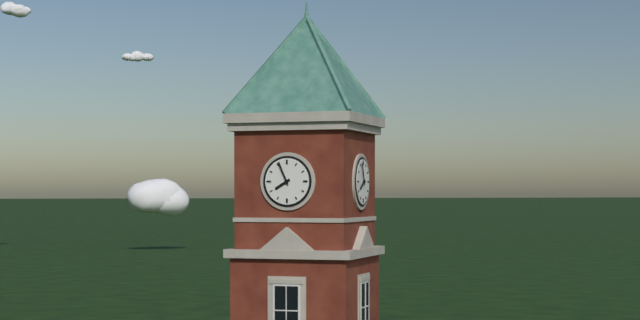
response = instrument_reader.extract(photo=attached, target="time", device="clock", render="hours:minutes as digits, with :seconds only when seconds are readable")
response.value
7:56
